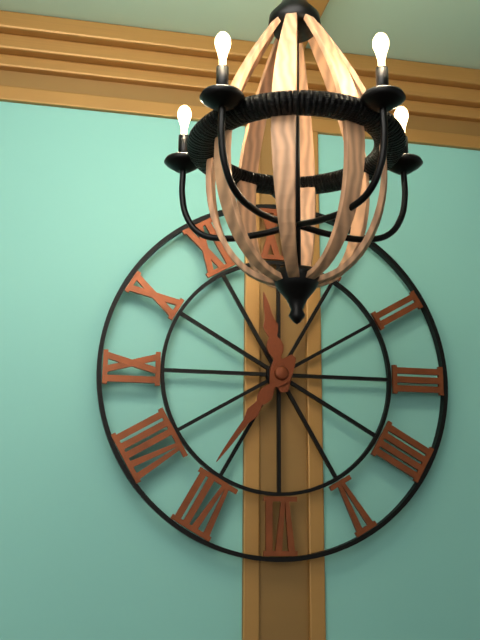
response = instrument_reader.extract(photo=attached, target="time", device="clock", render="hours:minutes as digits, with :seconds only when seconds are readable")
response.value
11:36
